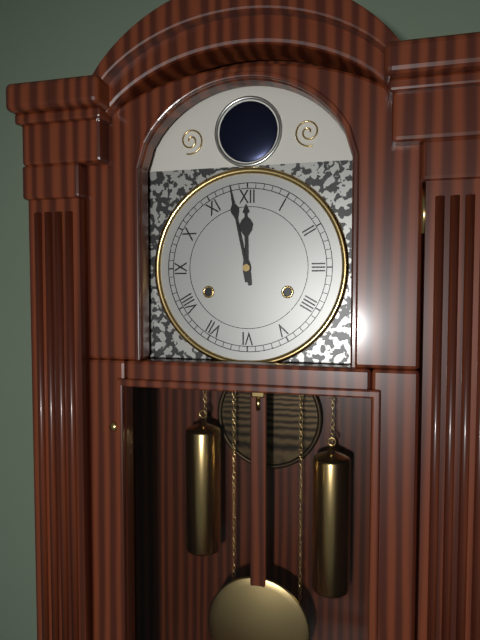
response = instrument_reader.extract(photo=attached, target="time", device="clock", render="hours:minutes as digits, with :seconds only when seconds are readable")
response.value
11:58
